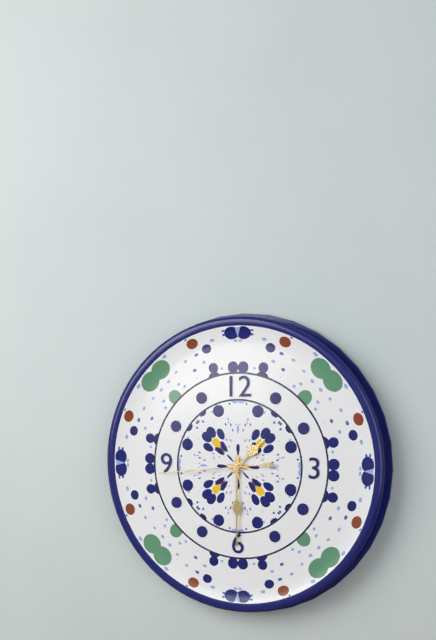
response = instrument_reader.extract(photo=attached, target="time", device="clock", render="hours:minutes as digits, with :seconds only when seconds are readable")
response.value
1:30:44
